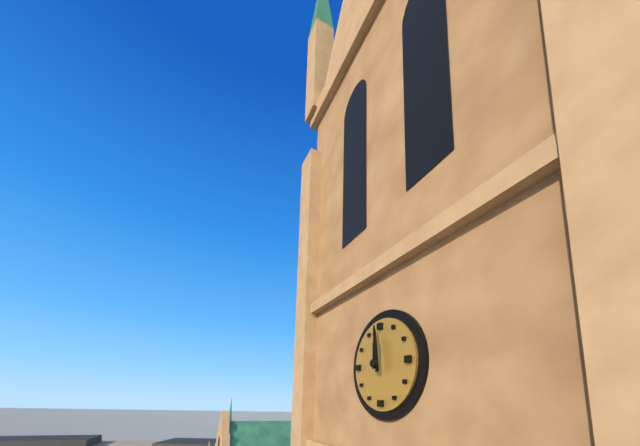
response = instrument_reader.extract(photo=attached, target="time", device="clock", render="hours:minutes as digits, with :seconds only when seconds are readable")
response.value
11:59
